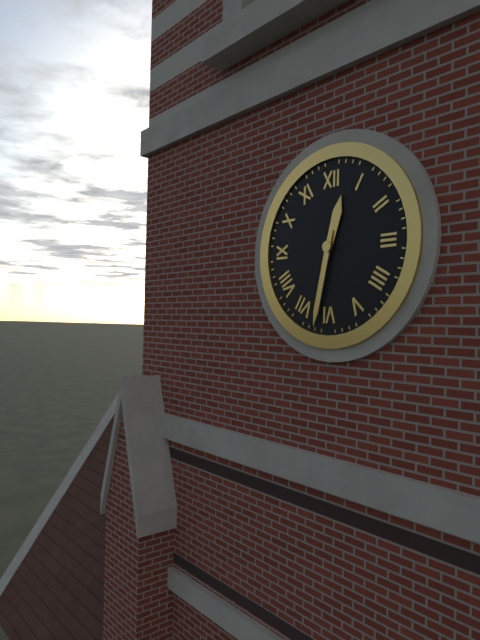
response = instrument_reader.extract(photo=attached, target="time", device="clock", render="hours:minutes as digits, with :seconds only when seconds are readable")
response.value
12:32
